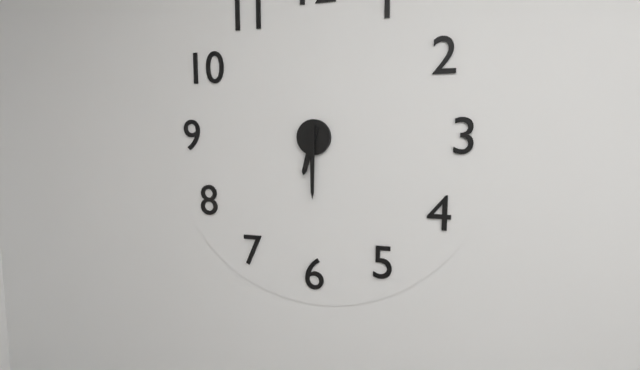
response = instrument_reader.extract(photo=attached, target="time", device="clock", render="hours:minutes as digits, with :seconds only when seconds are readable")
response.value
6:30
